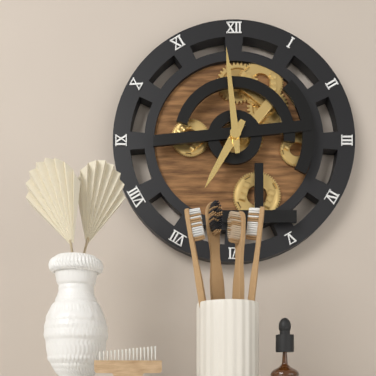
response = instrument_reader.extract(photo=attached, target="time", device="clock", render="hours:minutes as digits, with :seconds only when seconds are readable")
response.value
6:59
